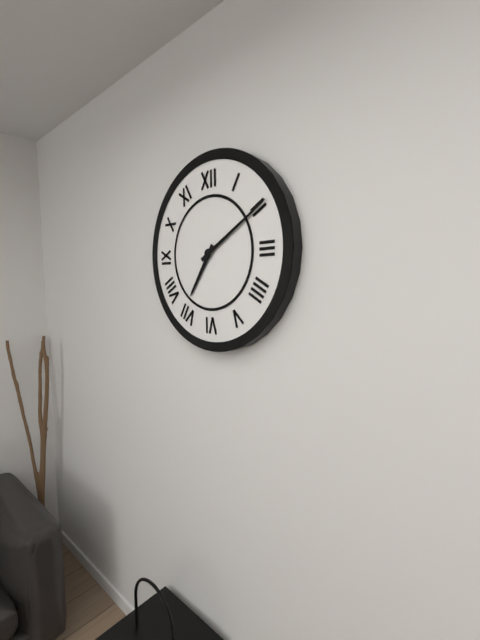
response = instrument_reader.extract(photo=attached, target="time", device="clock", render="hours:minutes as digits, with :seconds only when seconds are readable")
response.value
7:10
